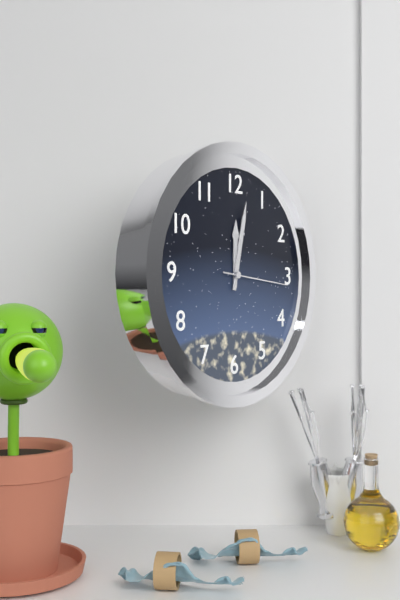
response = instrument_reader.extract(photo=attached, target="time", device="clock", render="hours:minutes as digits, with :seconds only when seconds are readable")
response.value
12:02:16
